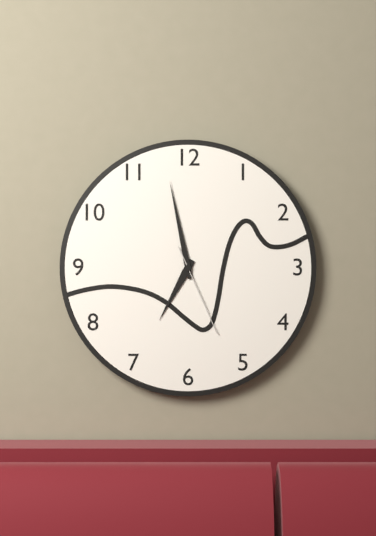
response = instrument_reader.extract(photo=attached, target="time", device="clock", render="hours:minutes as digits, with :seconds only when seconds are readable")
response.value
6:58:26
